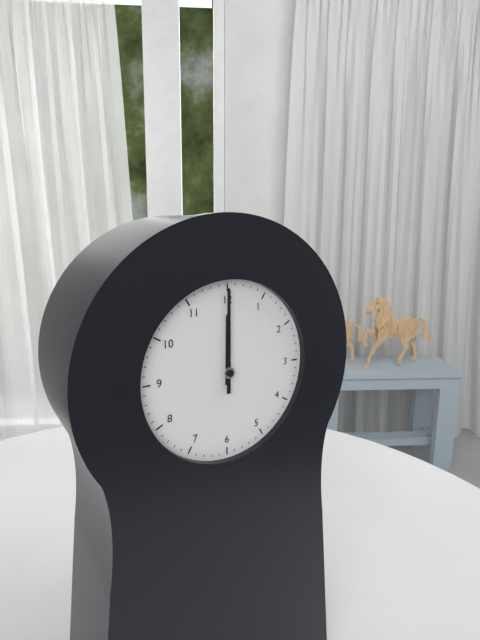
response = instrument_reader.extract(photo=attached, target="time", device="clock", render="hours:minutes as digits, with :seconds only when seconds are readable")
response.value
12:00
